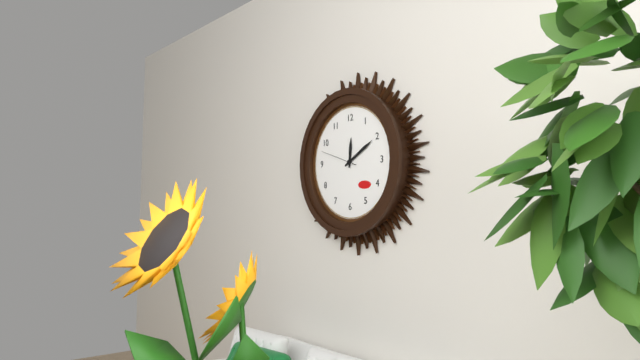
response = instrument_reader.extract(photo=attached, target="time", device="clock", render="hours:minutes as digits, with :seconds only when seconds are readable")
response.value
12:10
